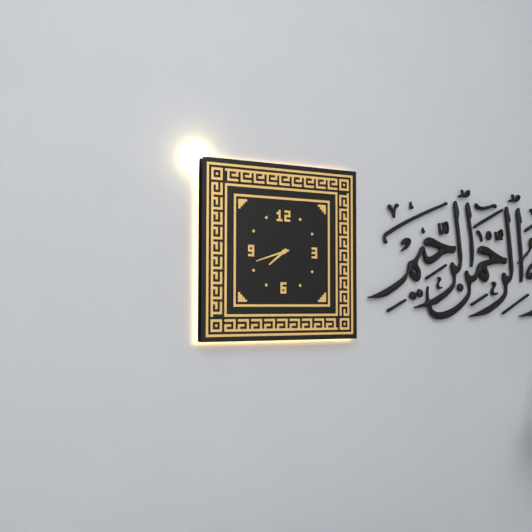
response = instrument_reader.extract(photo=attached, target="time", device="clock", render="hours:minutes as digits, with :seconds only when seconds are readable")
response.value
7:42
